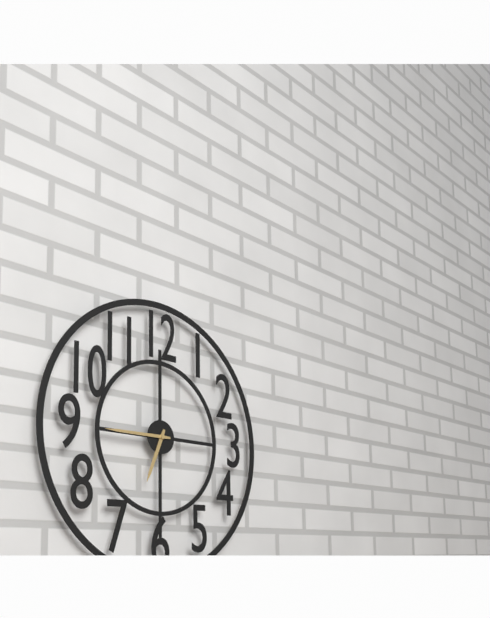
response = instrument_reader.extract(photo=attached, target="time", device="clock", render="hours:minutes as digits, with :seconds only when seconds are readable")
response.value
6:45
